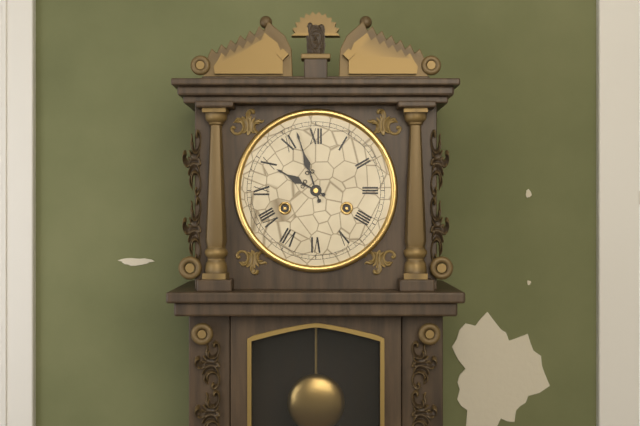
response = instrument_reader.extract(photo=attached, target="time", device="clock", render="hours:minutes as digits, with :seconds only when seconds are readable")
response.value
9:57
